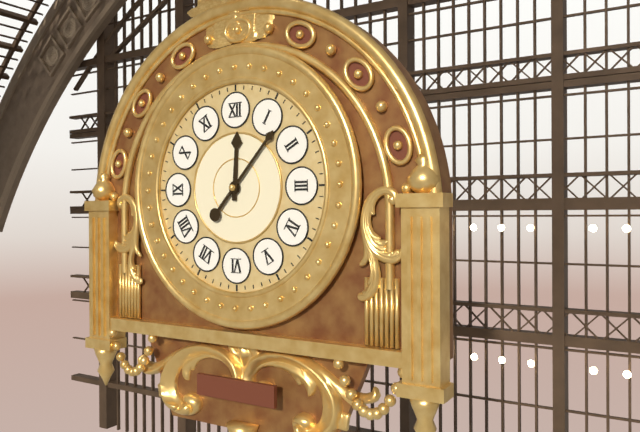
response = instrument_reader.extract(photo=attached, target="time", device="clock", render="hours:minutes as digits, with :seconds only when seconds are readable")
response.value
12:07
